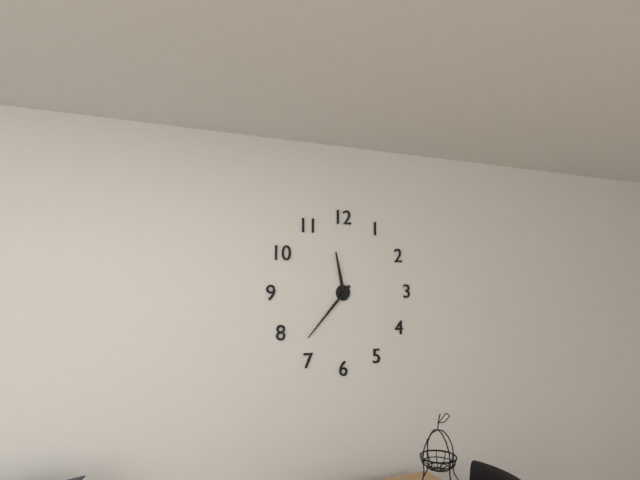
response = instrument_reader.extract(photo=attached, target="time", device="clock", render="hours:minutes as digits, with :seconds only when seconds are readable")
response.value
11:37
